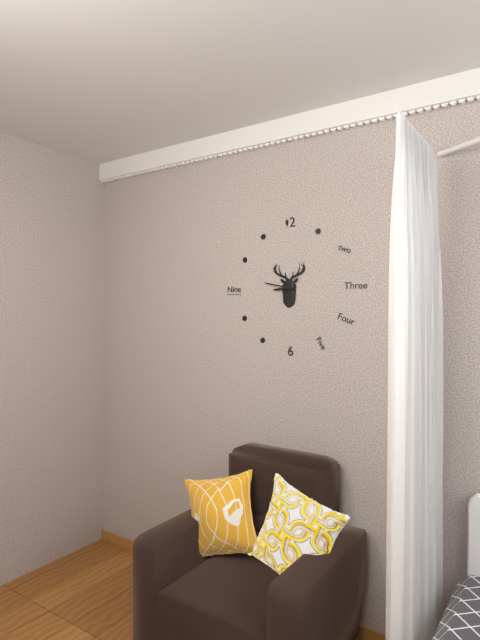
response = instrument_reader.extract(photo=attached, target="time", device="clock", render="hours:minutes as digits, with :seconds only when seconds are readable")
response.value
8:47
